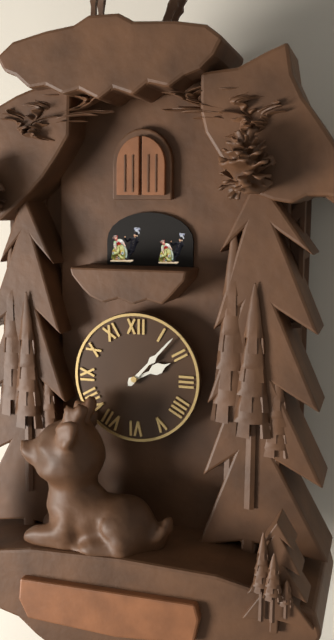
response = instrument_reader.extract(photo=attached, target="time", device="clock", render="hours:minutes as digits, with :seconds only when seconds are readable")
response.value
2:07
